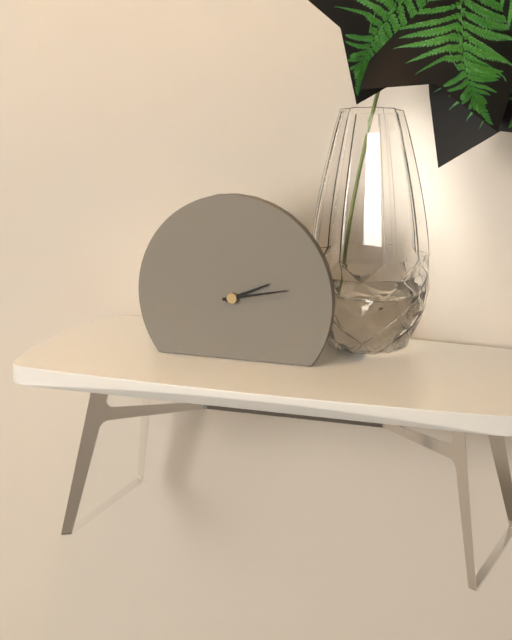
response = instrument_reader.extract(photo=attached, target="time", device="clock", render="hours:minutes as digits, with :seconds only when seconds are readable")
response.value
2:13
